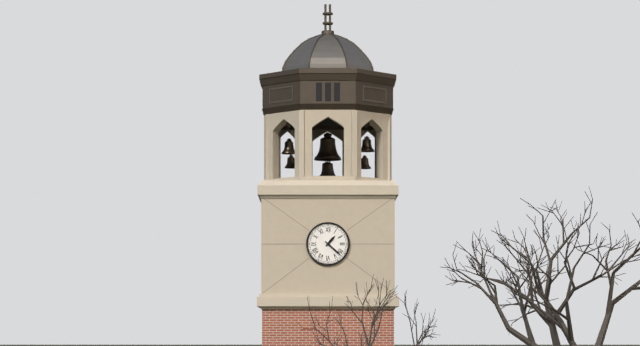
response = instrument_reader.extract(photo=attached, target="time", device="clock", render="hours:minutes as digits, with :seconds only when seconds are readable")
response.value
1:22
